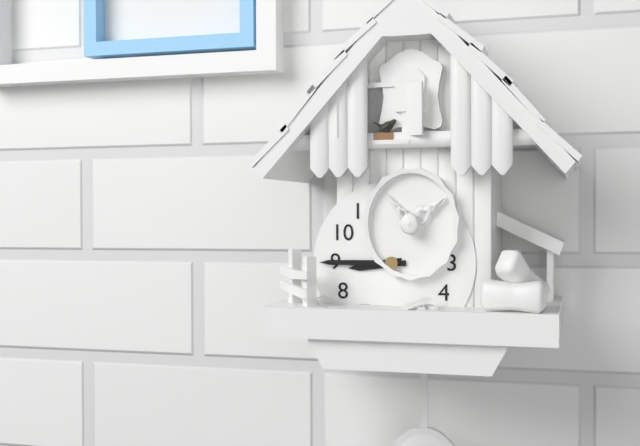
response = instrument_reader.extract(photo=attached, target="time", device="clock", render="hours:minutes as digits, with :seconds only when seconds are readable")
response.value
8:45
